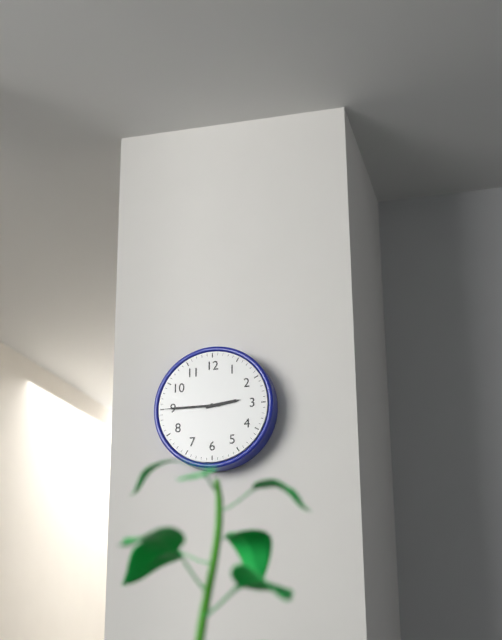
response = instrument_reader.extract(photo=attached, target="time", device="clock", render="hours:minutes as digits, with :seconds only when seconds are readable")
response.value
2:45:45
